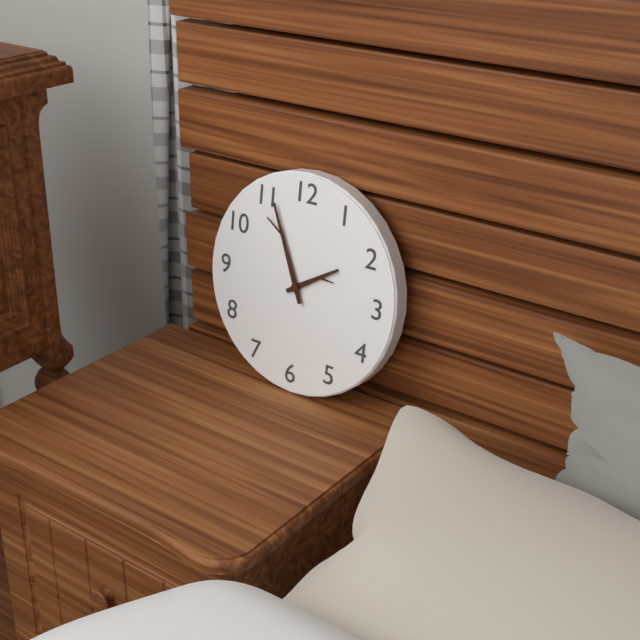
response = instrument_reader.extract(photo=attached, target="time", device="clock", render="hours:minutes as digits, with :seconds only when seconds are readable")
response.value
1:56
